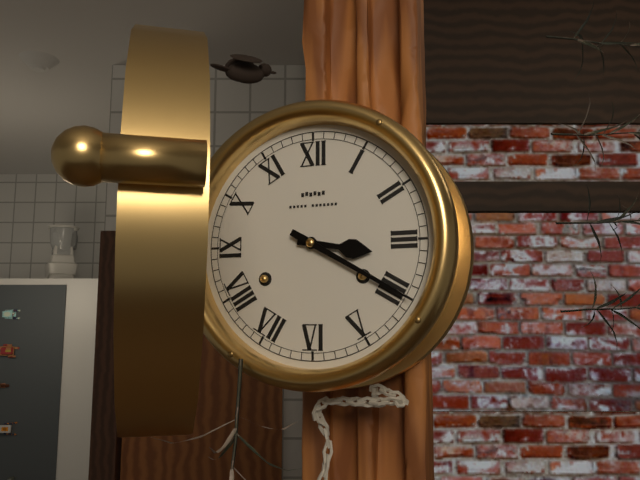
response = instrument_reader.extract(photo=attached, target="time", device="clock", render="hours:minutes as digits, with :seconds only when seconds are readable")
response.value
3:20
